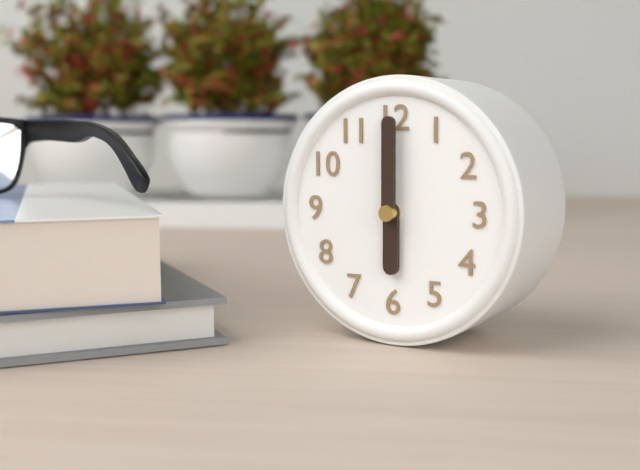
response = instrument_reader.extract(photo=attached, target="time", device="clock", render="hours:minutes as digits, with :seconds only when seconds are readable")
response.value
6:00
